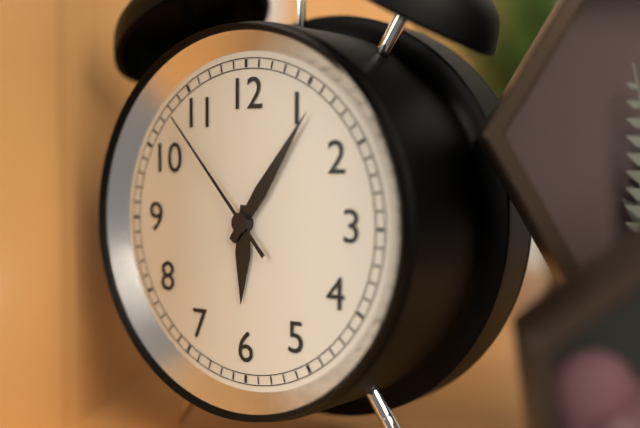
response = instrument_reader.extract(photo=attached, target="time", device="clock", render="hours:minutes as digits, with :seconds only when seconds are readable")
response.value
6:06:53
